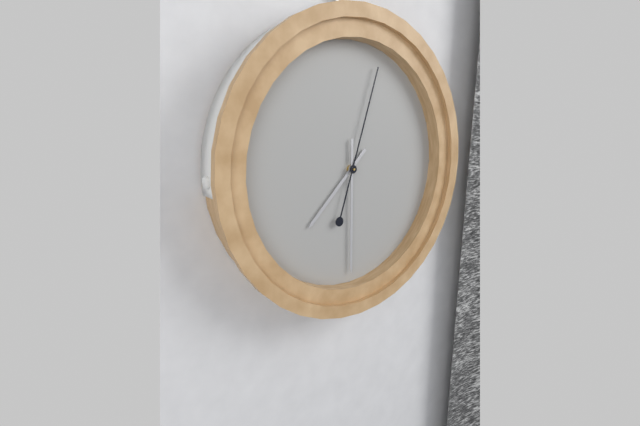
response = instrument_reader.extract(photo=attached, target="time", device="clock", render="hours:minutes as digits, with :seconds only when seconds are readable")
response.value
7:30:03
